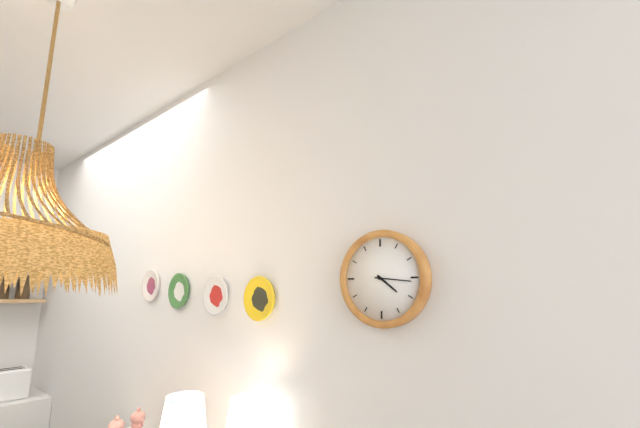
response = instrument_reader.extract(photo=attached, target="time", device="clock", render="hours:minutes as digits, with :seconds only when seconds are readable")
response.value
4:16
